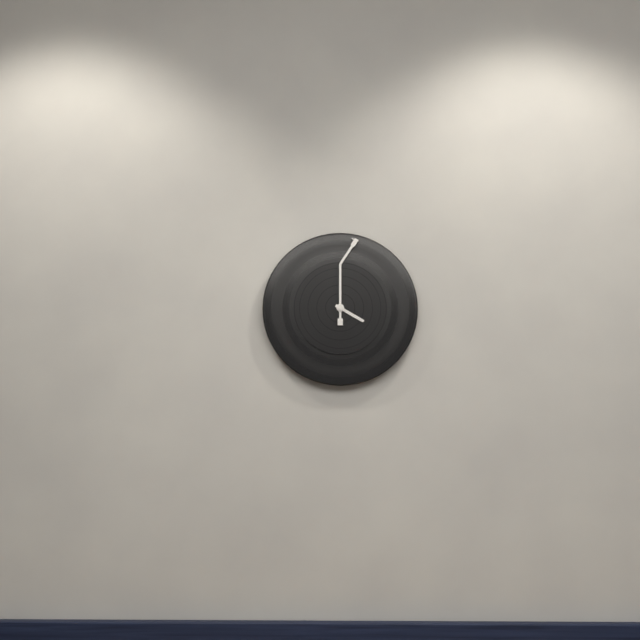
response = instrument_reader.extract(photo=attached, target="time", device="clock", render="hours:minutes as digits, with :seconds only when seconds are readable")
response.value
4:00
